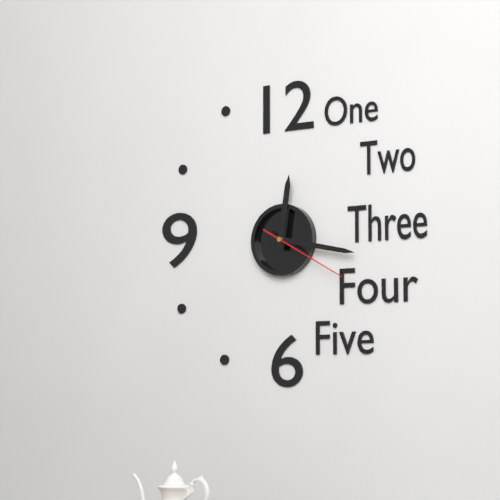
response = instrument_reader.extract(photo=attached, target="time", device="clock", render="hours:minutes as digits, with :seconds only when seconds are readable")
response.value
12:17:20
